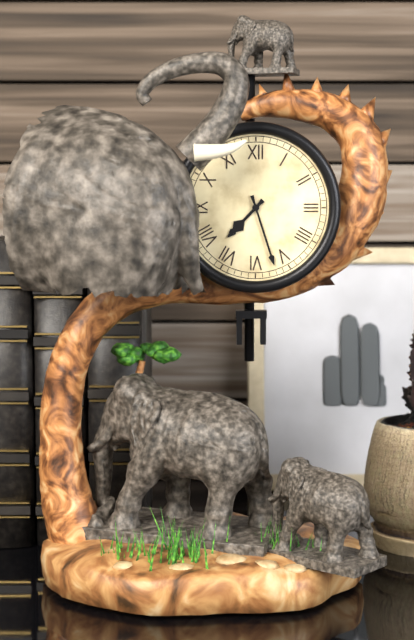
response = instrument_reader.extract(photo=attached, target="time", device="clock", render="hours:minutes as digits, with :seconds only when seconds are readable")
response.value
7:27
